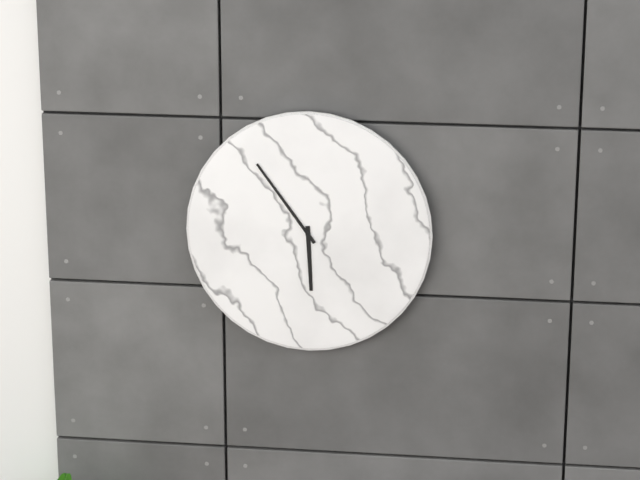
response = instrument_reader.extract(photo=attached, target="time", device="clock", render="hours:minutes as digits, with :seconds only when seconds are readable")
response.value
5:54
